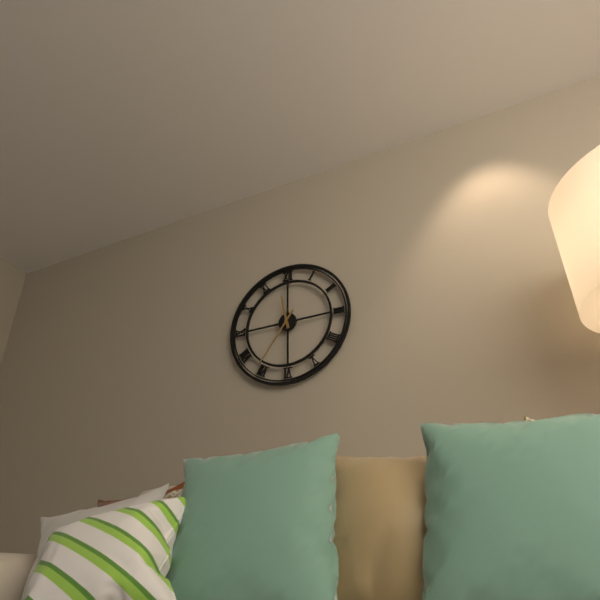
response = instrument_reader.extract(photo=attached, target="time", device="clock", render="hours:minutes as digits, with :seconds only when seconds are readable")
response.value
11:36
